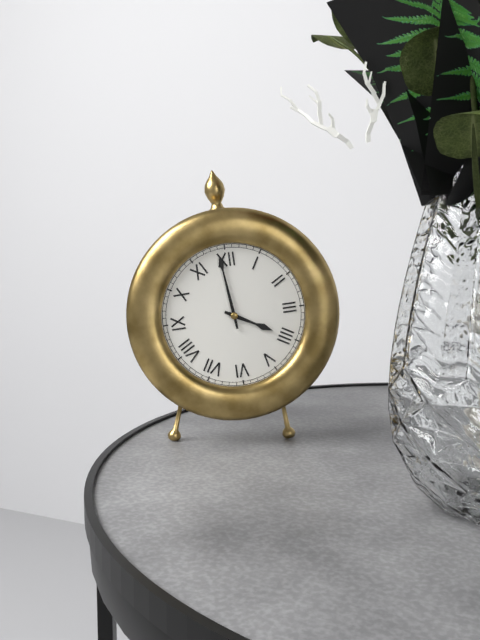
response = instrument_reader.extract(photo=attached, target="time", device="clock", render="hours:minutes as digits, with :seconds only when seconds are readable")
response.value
3:59
